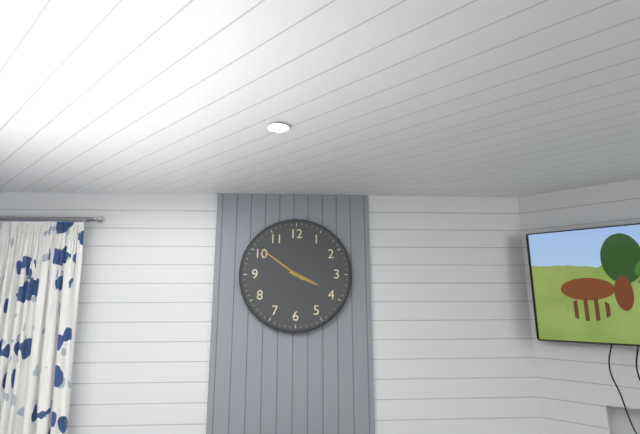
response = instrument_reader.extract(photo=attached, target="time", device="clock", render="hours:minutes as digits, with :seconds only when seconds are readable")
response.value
3:51
